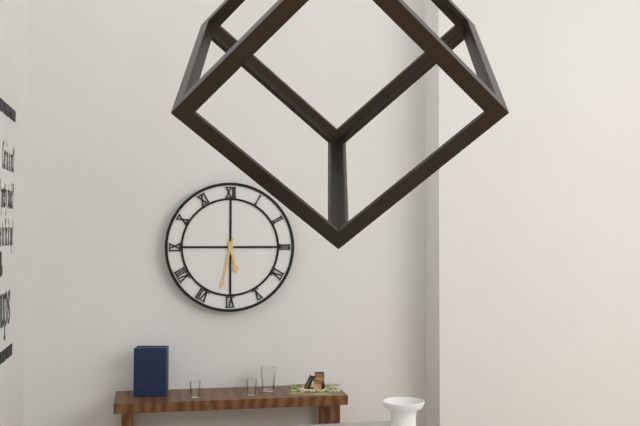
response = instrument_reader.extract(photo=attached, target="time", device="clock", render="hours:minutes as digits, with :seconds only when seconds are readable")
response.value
5:32
